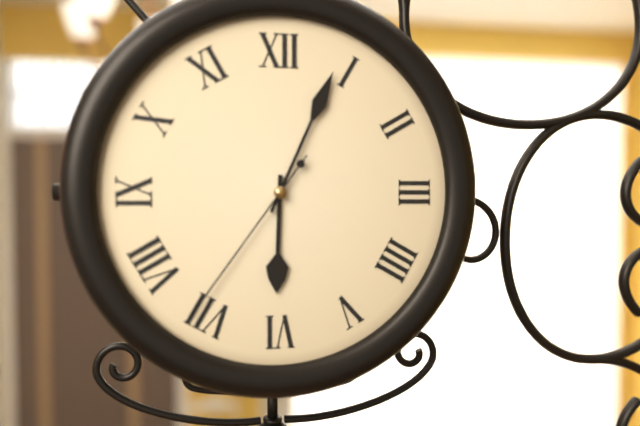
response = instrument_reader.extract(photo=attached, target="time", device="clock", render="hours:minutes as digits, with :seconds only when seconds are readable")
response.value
6:04:36
